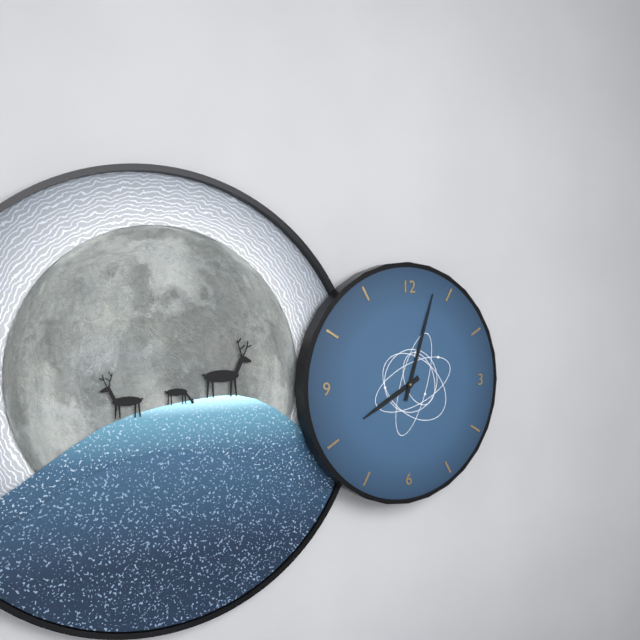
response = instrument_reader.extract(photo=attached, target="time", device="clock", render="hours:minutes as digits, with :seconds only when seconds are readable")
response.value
8:03
